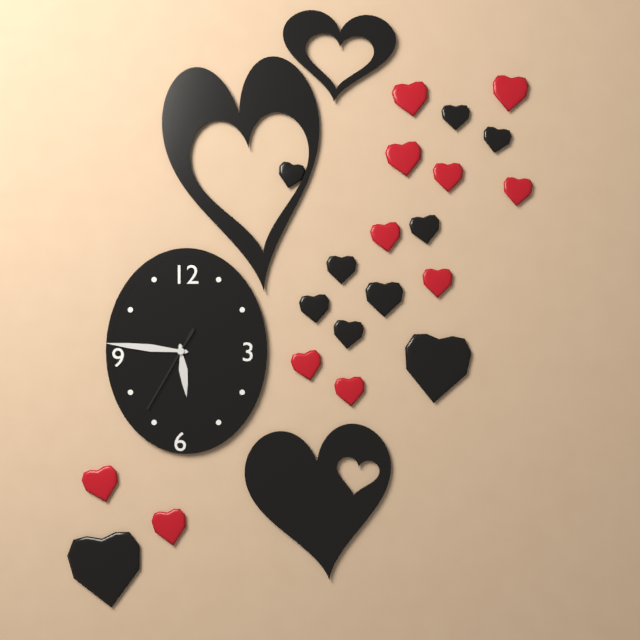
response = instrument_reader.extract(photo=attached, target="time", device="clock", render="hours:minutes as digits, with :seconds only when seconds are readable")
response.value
5:46:35
